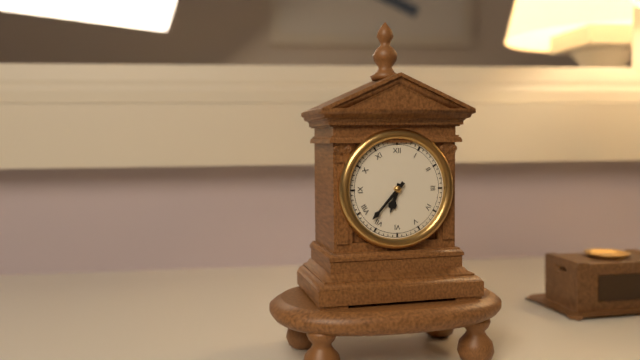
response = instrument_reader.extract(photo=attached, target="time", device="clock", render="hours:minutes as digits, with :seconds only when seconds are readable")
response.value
6:37
